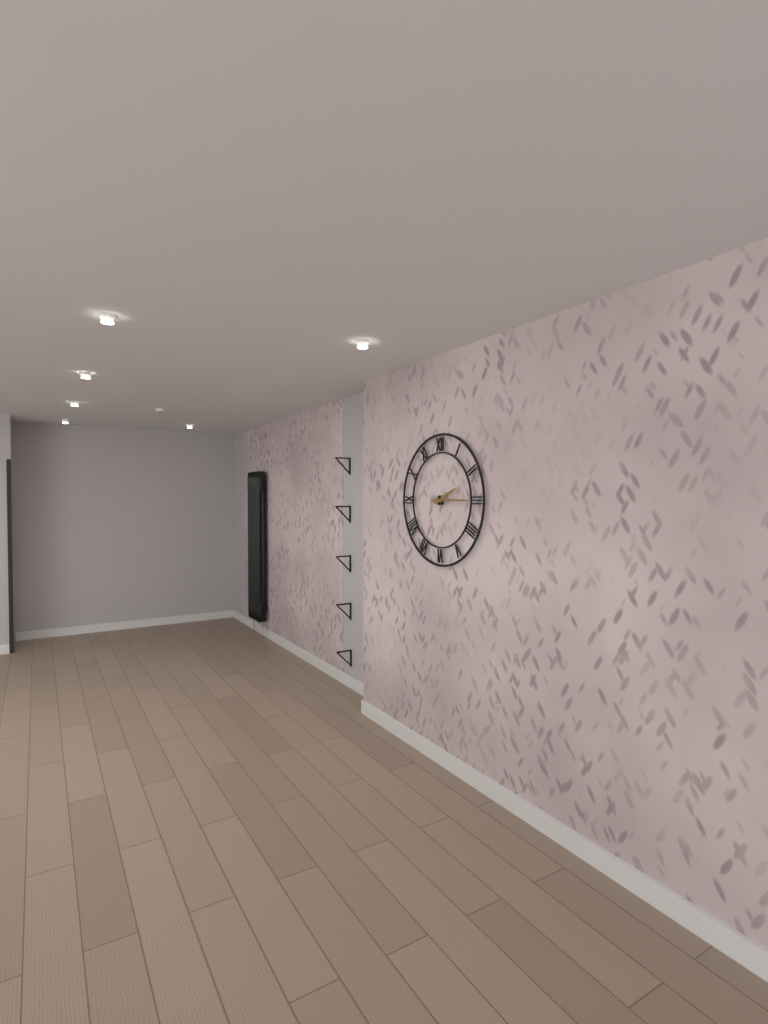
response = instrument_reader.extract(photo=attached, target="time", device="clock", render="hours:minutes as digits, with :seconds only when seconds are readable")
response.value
2:15
